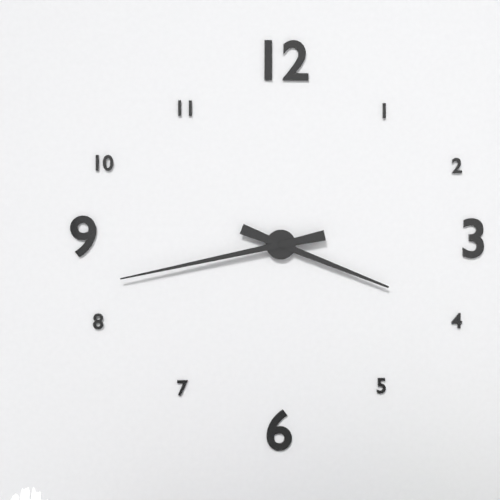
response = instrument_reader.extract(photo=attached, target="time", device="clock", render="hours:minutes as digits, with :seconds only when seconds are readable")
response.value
3:43
